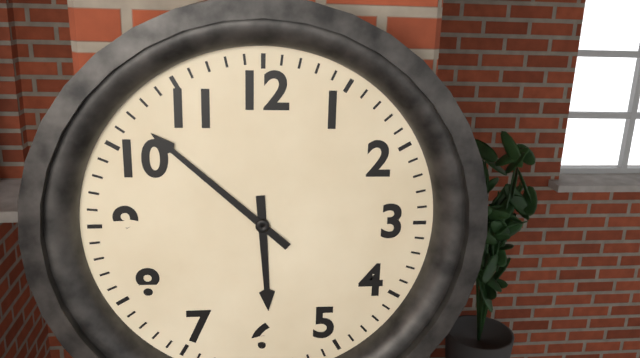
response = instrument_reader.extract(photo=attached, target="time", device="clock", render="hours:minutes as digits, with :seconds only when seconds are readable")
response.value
5:52
